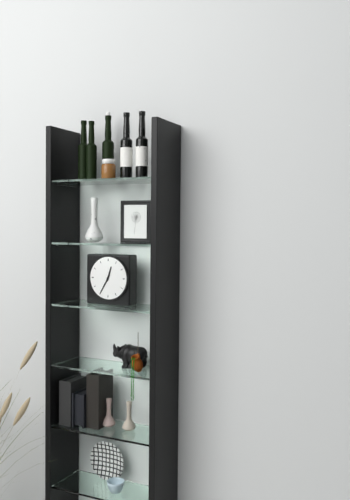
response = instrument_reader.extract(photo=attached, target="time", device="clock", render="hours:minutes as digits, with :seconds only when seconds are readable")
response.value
12:35
